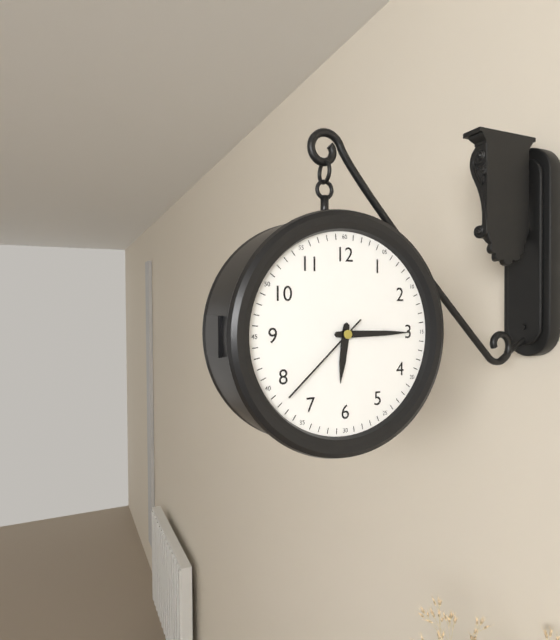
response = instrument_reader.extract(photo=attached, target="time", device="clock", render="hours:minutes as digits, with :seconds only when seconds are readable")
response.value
6:15:38
